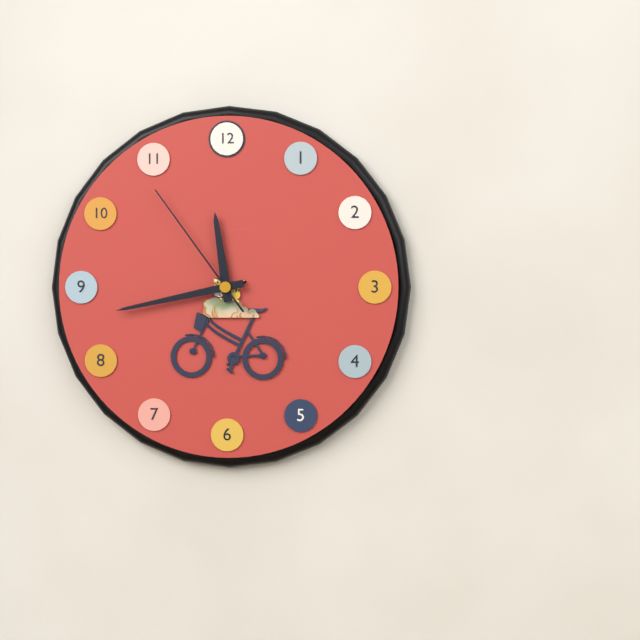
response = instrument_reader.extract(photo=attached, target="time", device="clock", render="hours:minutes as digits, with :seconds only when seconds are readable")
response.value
11:43:54
